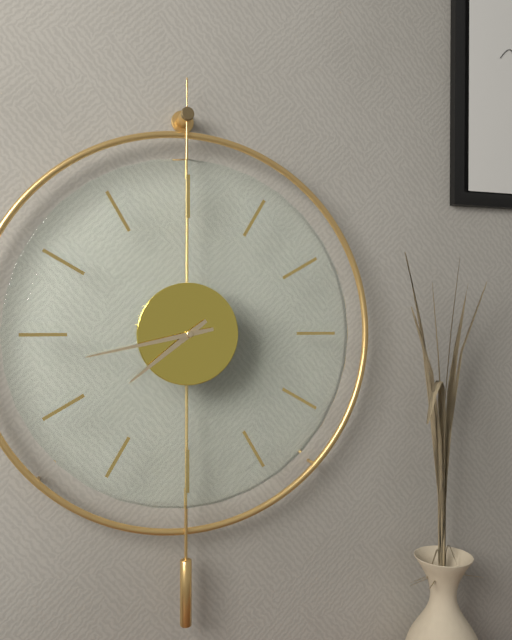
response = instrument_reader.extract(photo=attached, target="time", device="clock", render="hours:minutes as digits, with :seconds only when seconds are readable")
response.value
7:43
